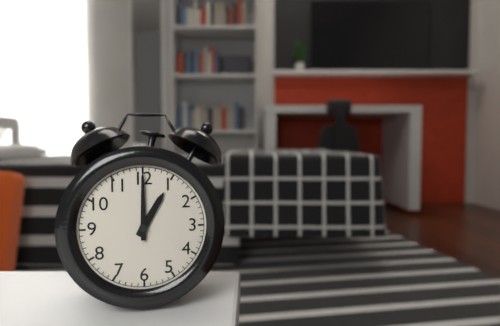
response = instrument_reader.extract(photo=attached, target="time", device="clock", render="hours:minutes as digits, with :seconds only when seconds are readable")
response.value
1:00
